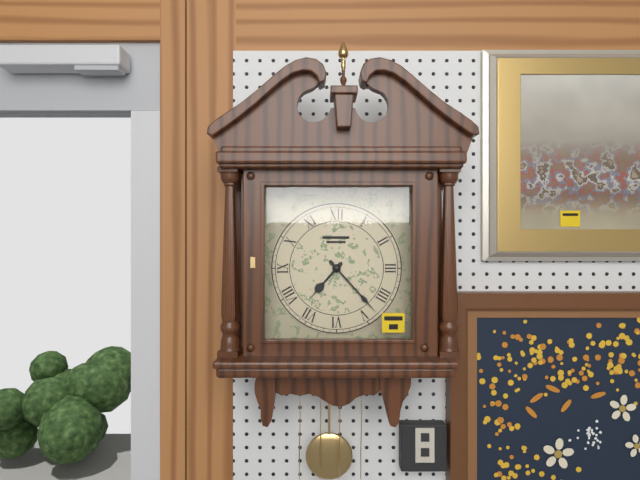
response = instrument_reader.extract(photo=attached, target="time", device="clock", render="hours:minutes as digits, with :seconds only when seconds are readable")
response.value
7:23
